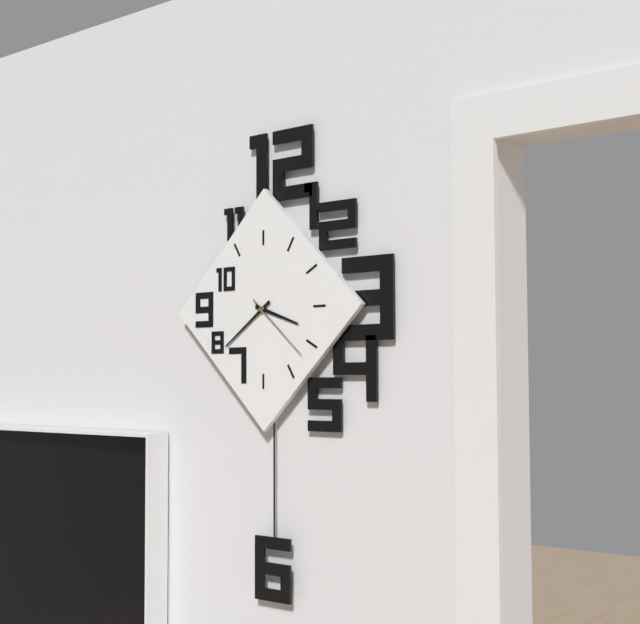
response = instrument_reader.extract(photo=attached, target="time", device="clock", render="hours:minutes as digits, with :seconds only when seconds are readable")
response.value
3:39:22
